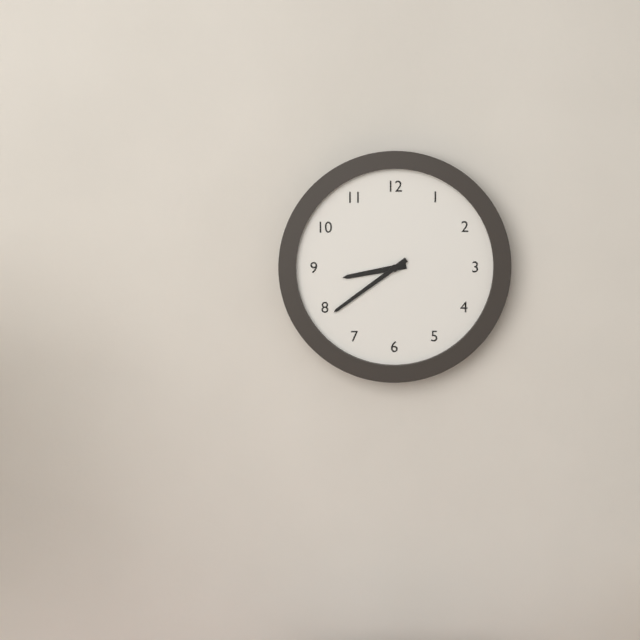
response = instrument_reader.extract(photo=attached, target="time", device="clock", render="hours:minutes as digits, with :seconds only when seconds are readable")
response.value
8:39
